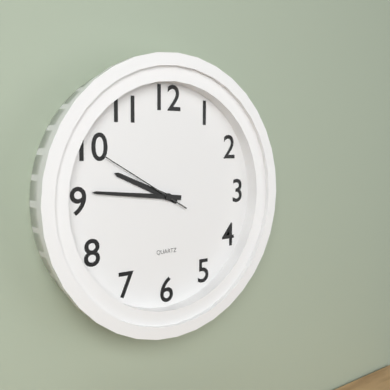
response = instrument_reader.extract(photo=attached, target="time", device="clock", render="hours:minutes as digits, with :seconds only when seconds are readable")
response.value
9:46:50
